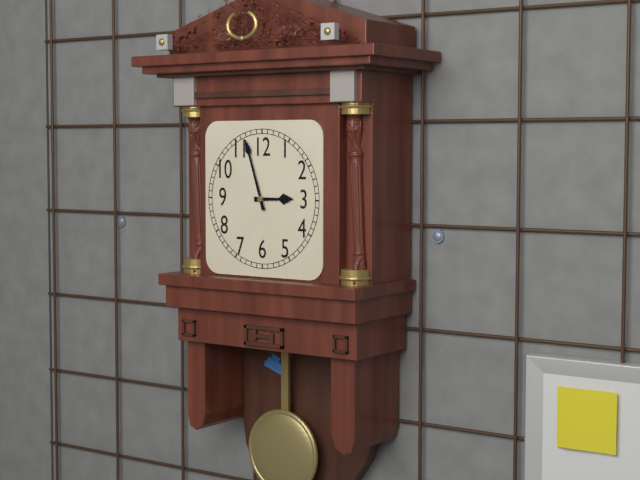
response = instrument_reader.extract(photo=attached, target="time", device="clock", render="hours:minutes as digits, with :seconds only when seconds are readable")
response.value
2:57
